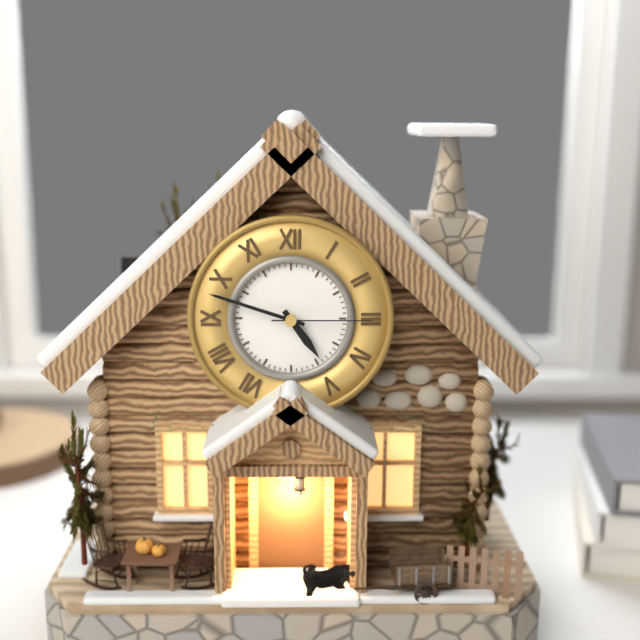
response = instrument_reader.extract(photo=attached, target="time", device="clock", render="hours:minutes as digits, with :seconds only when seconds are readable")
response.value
4:48:15
